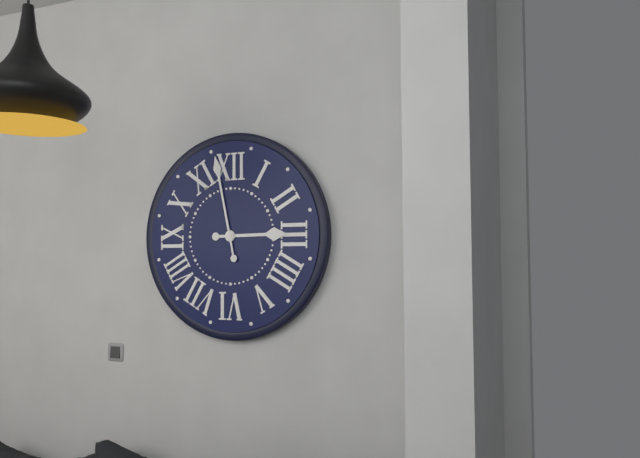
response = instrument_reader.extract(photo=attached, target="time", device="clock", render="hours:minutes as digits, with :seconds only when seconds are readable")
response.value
2:58
